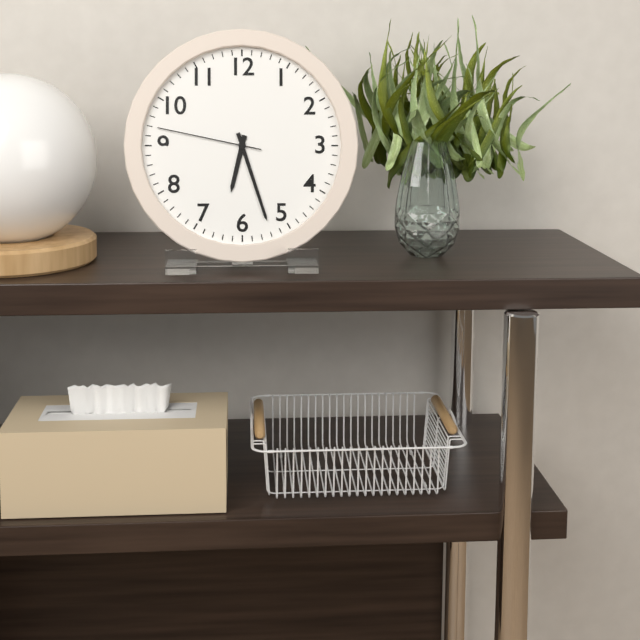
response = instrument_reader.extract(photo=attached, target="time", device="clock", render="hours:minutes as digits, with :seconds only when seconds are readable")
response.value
6:27:47
